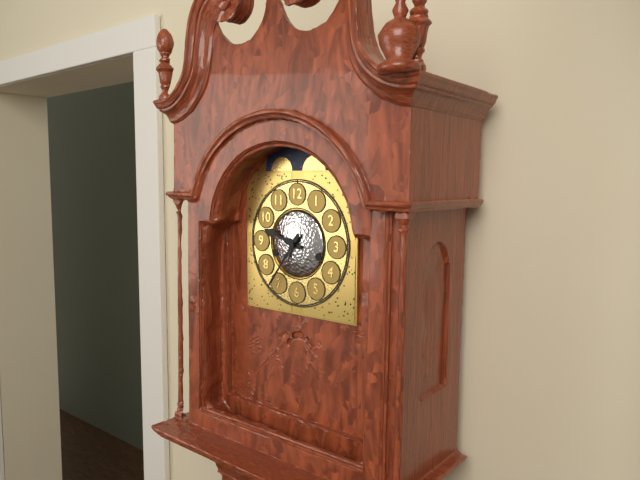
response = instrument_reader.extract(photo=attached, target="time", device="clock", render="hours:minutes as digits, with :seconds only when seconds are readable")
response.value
9:36
